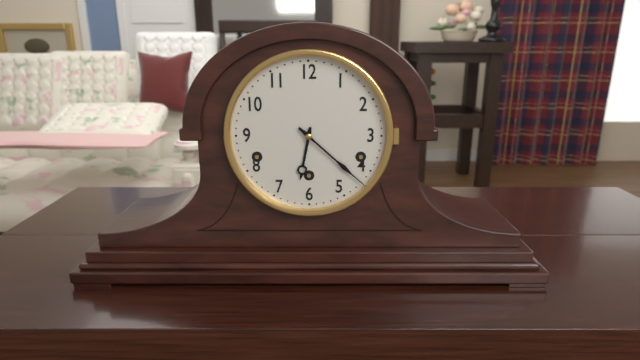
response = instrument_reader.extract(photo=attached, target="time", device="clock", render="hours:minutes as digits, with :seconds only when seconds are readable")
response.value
6:22
